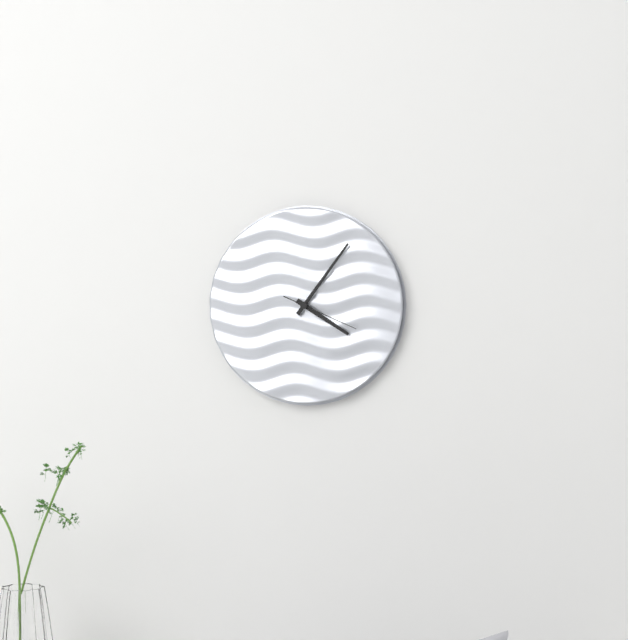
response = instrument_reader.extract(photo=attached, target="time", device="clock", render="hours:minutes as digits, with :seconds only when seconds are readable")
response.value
4:06:19
